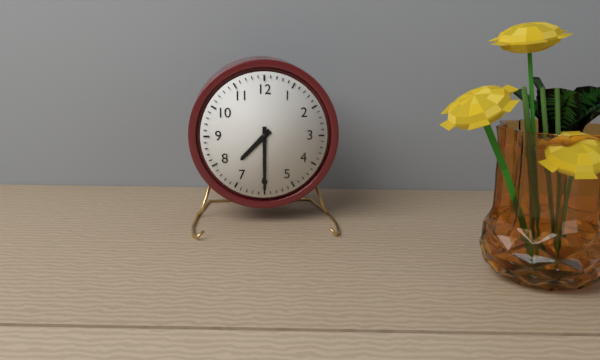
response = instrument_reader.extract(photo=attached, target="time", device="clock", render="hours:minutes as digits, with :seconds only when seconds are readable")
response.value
7:30
